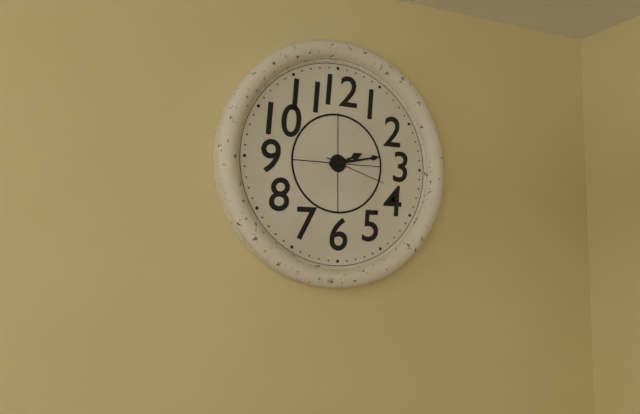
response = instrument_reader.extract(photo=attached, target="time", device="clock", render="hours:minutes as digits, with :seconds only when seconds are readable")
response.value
2:13:18
